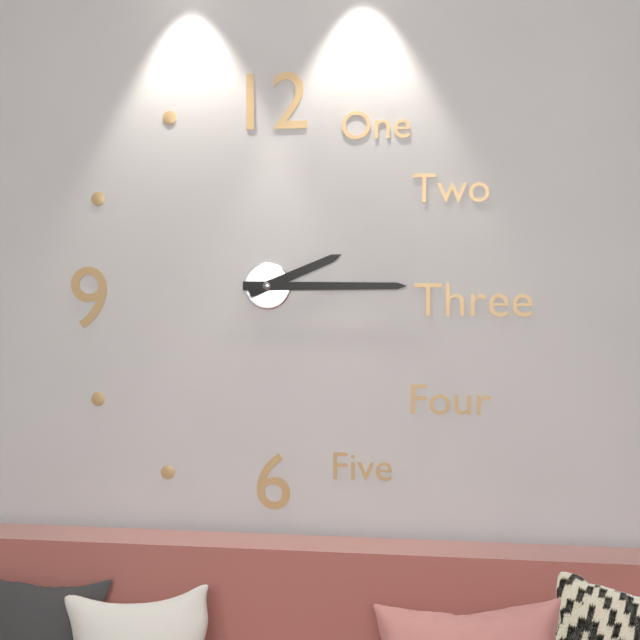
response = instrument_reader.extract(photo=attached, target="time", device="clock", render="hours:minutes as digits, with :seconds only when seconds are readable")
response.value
2:15
